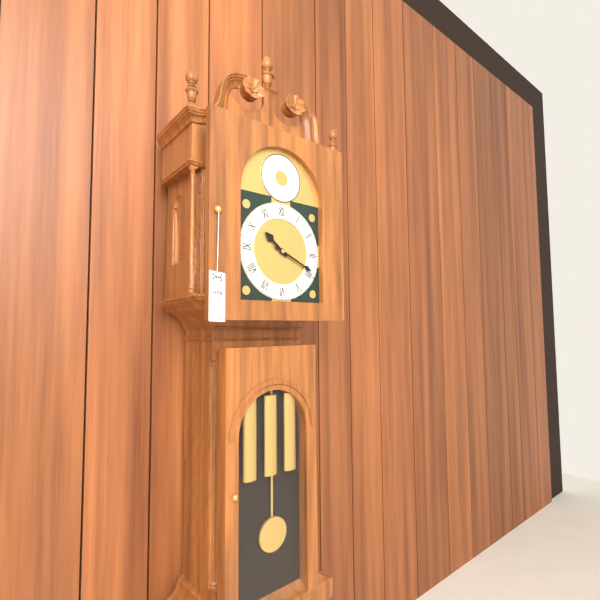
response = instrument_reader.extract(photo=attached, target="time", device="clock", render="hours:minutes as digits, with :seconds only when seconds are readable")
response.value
10:19
